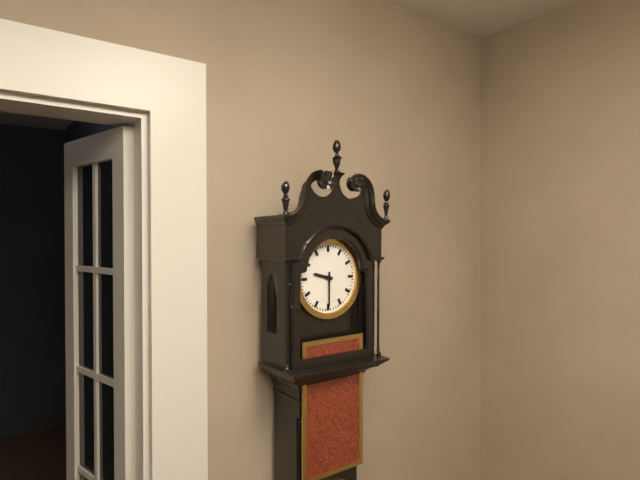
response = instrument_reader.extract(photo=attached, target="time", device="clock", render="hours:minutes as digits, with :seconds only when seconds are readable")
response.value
9:30
